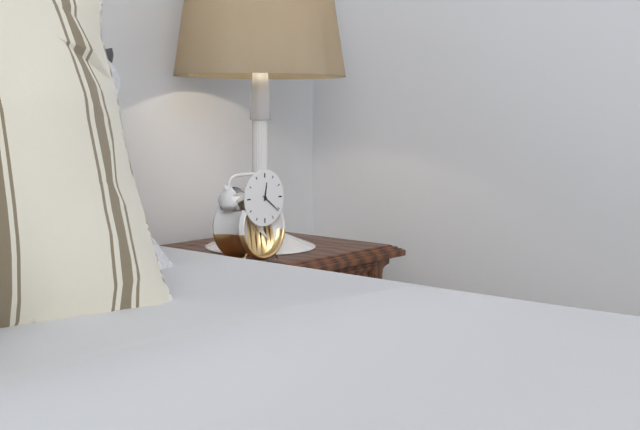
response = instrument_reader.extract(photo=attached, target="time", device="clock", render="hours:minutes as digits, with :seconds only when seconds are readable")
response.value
12:21
